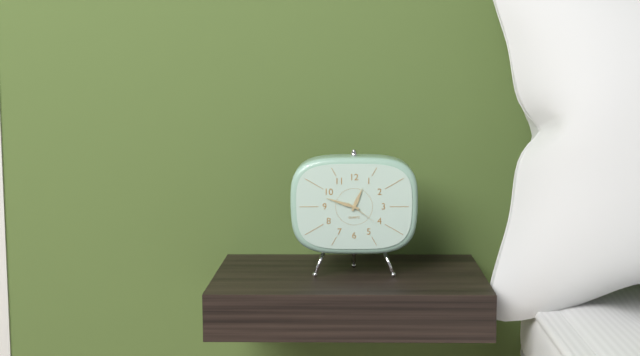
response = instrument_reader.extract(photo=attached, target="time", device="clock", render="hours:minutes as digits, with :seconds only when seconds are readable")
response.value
12:48
